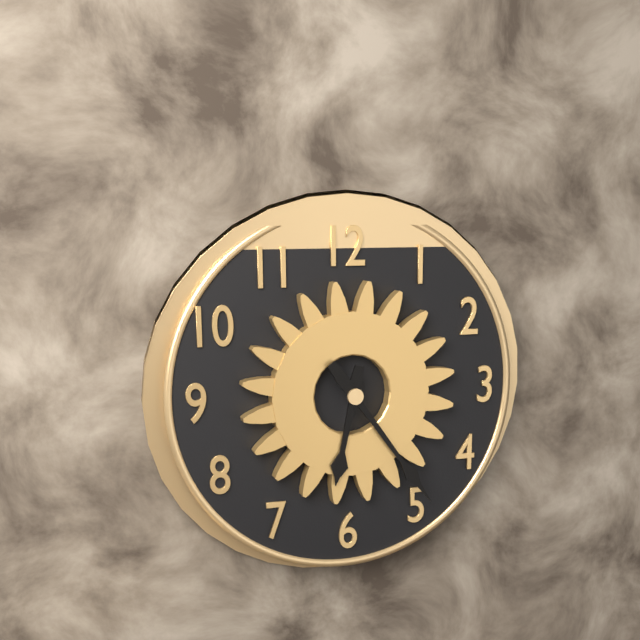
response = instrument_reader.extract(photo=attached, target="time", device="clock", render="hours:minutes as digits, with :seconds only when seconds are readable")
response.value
6:24
